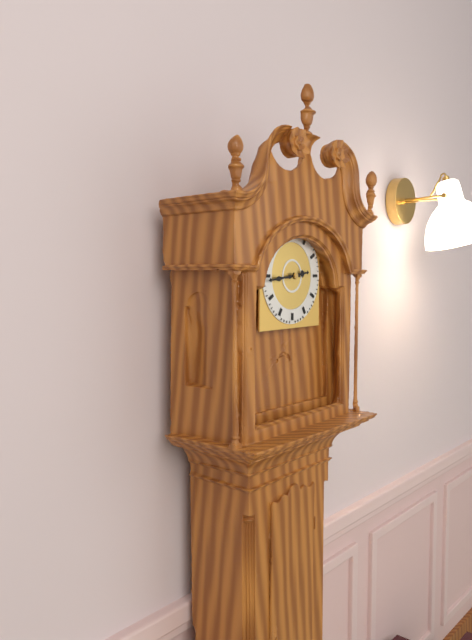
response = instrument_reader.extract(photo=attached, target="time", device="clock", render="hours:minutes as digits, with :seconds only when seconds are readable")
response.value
2:44
